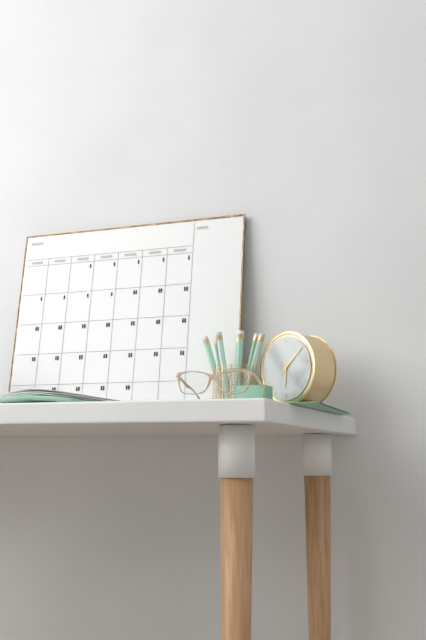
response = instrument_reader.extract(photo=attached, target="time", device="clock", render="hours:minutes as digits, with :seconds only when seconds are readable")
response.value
6:08
